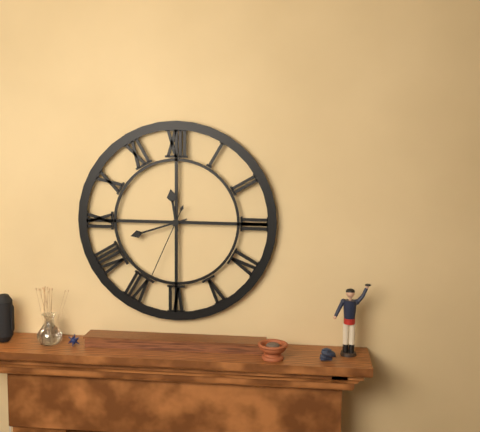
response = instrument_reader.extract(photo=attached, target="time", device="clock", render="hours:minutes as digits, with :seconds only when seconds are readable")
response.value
11:42:34
